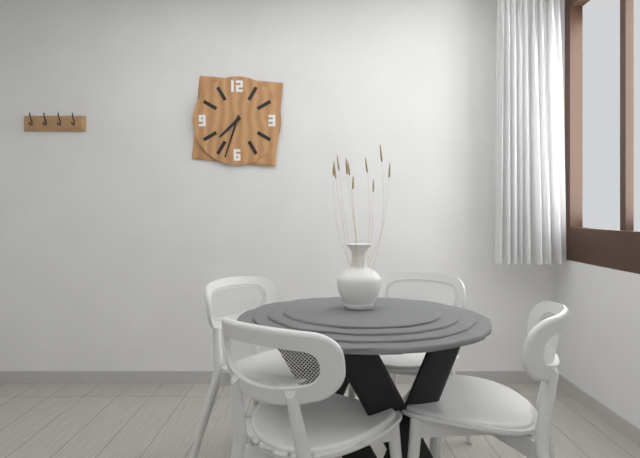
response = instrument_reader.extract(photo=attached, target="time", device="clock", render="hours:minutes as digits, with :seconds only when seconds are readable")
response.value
7:33
